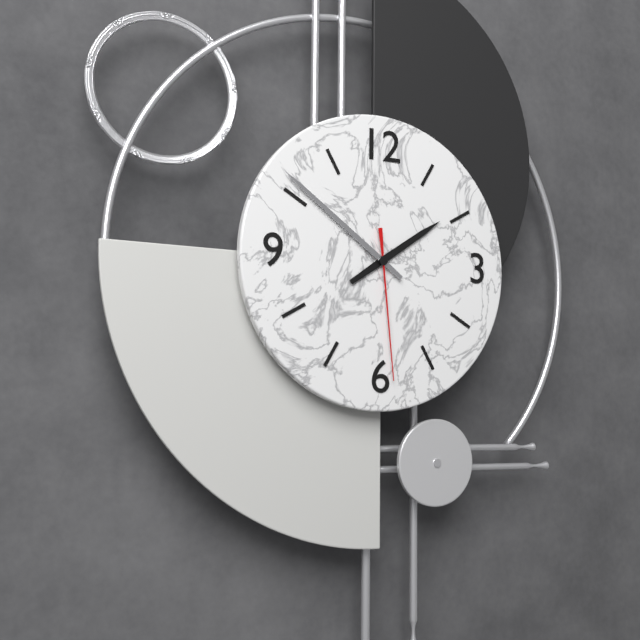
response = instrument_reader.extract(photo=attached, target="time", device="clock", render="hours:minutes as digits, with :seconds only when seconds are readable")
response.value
1:51:29
